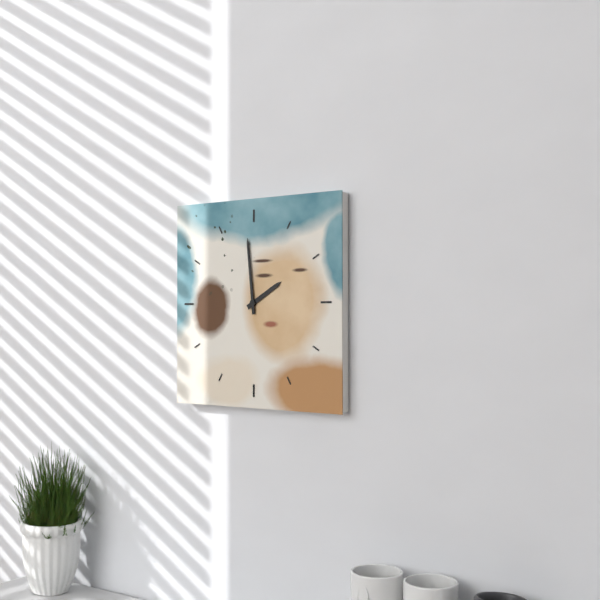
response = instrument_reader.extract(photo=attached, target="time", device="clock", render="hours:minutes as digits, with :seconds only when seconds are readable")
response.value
1:59
